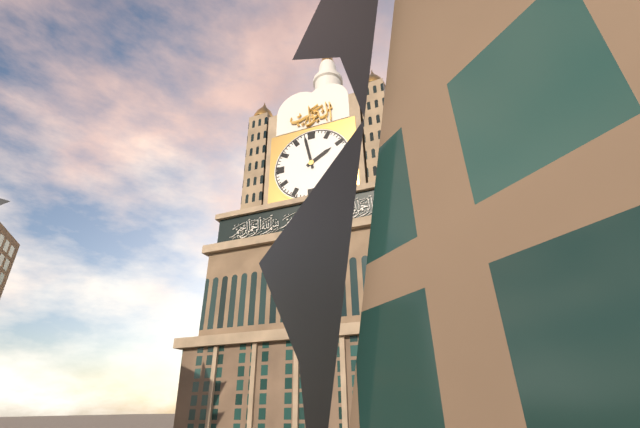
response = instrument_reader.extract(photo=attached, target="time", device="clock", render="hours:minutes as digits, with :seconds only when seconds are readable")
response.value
1:58
